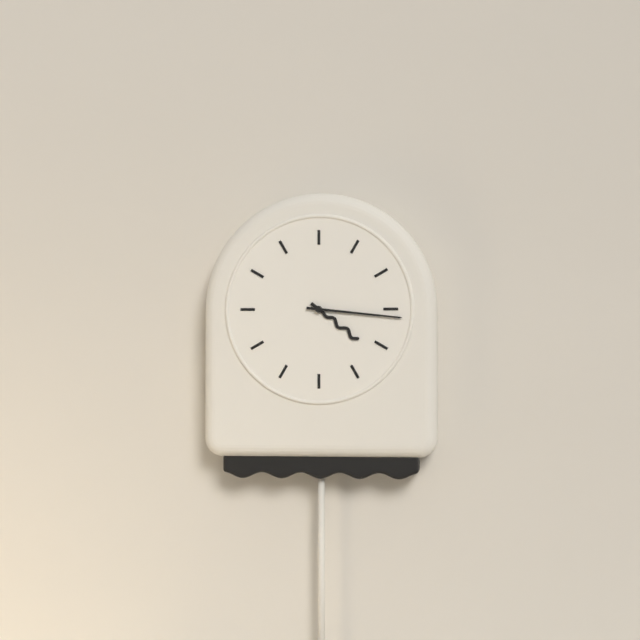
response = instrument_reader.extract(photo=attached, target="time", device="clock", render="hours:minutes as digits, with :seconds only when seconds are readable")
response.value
4:16
